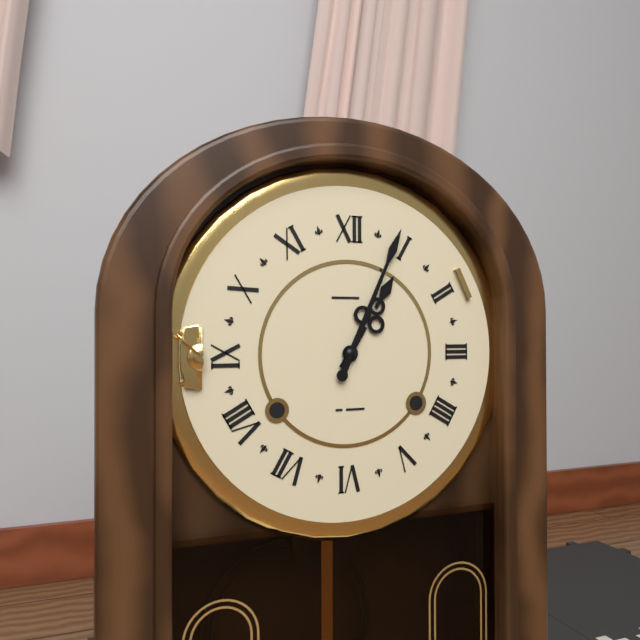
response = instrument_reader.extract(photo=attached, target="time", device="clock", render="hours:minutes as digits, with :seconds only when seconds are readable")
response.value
1:04
